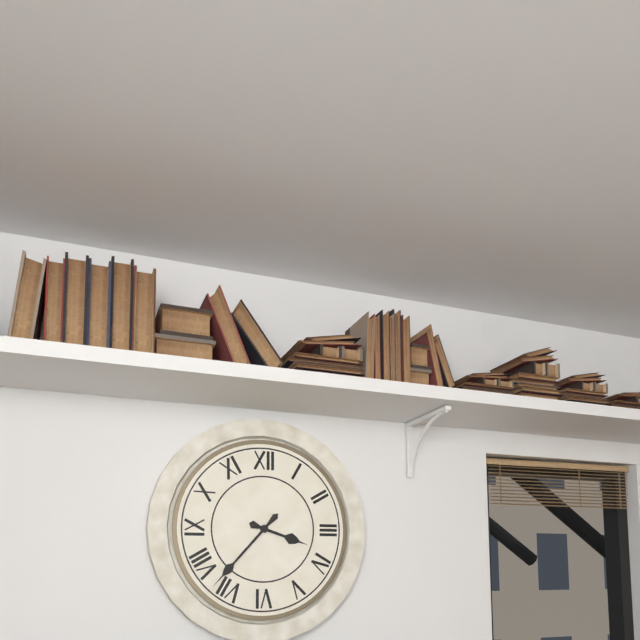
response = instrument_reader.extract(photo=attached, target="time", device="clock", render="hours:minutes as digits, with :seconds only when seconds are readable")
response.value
3:37
